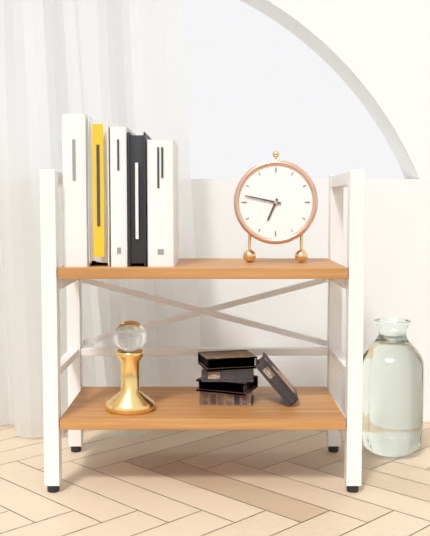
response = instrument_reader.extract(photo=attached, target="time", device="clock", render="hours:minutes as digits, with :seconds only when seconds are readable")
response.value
6:47
